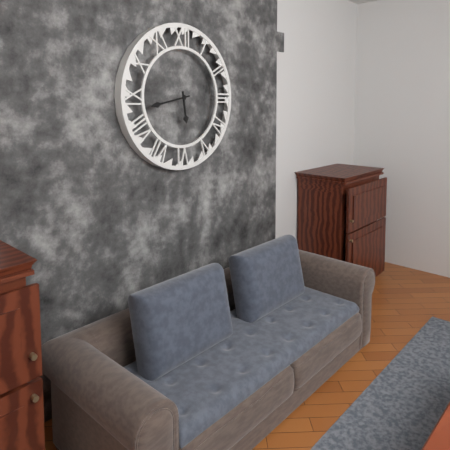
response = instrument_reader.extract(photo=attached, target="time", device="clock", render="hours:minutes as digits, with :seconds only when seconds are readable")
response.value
5:43
